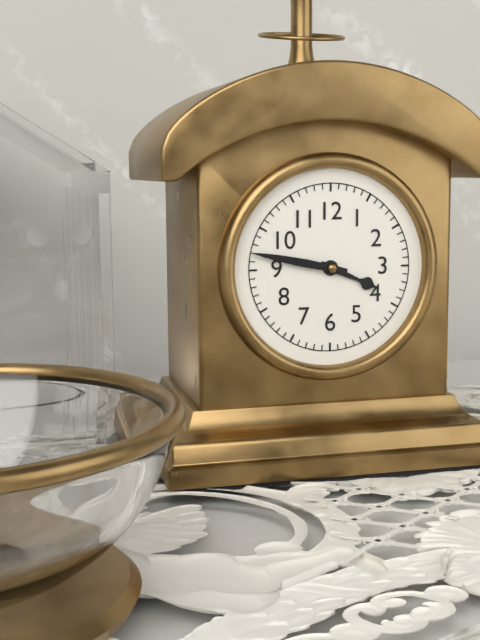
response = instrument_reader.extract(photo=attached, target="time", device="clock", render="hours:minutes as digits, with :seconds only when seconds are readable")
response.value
3:47
